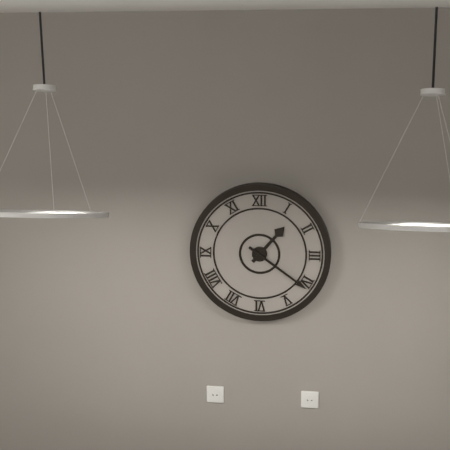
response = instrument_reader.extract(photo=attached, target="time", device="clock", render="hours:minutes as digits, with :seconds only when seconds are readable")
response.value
1:21
